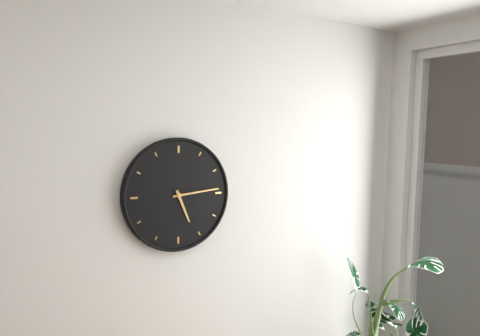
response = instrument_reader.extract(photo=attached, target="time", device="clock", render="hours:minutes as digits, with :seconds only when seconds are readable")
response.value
5:14
